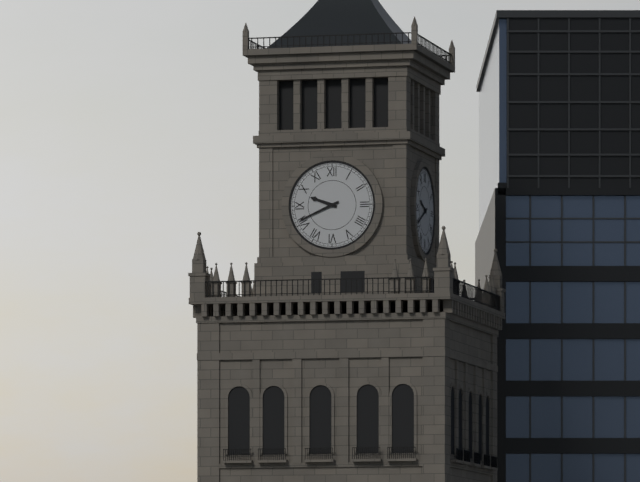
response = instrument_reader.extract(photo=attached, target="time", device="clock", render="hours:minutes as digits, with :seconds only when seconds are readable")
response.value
9:41
